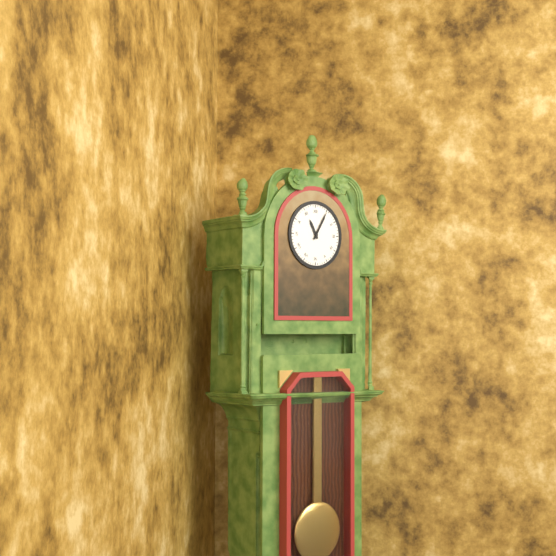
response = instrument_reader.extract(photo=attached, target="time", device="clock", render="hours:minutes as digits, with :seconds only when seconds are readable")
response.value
11:05
